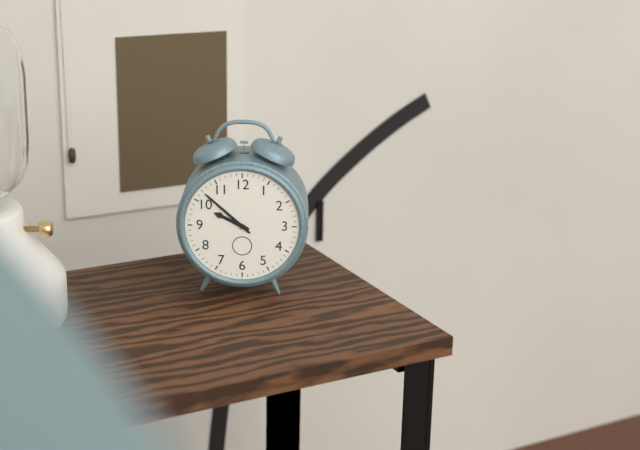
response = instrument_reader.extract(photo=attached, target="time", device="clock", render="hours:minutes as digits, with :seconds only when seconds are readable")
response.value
9:52
